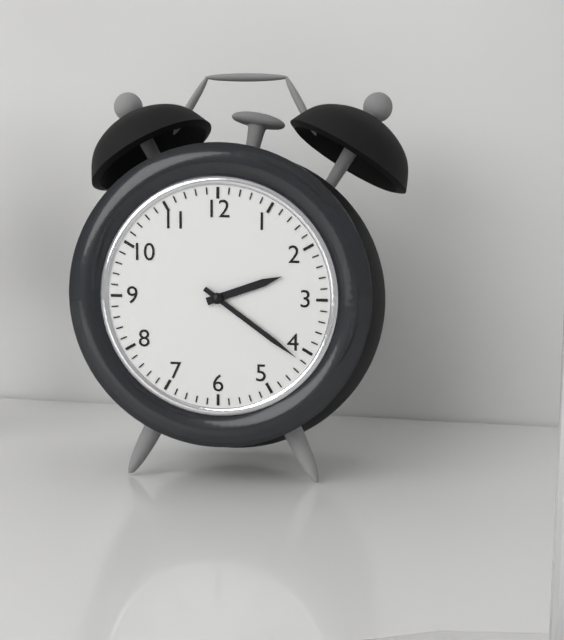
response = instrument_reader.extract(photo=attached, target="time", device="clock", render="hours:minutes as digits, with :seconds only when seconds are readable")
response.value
2:21
